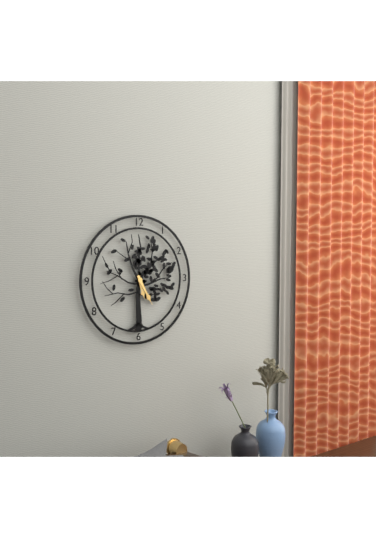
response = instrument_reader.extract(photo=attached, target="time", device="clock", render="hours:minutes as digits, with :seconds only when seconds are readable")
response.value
5:25
